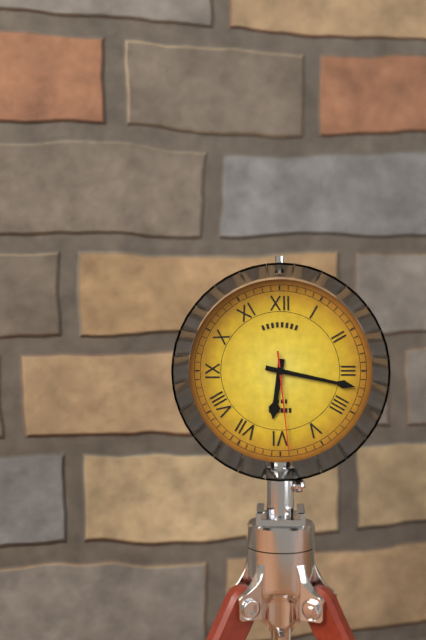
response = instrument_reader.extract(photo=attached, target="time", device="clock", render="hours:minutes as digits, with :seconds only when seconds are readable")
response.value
6:17:29
